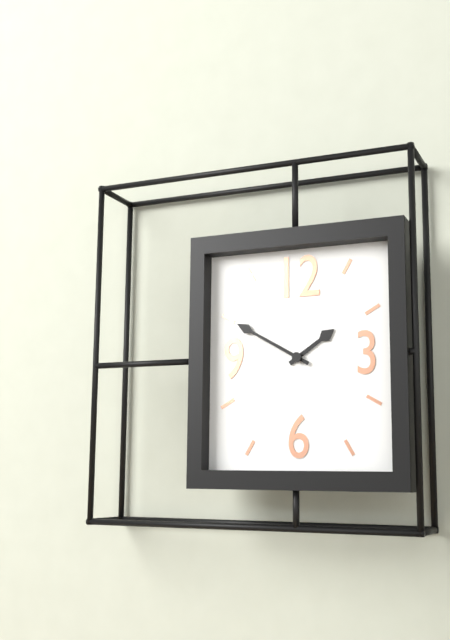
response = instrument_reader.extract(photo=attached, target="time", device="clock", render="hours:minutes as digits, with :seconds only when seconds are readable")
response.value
1:50
